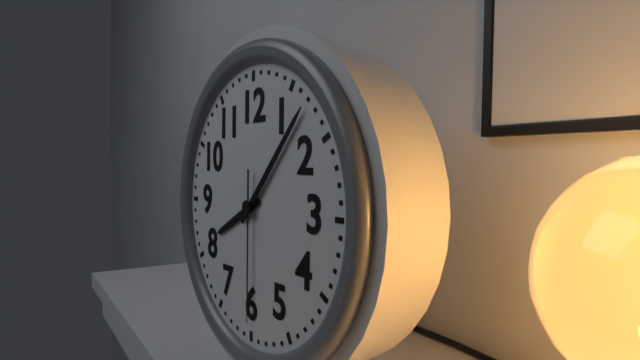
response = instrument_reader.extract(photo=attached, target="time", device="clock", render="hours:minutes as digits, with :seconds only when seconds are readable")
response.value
8:07:30
